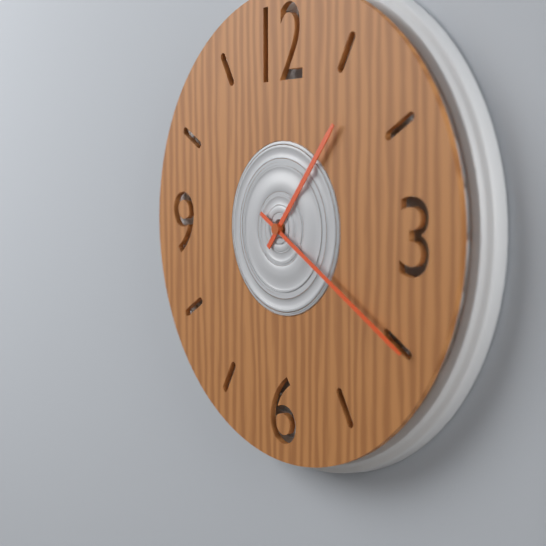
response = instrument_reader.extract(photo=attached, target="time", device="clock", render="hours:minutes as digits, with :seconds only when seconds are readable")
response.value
1:20
